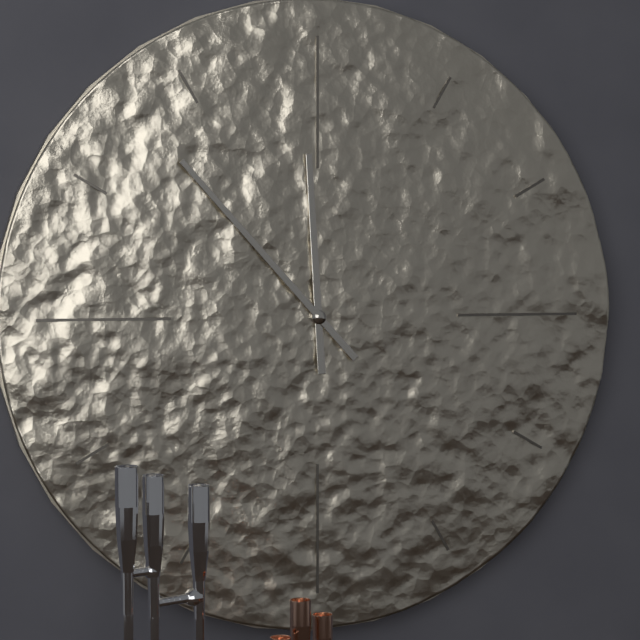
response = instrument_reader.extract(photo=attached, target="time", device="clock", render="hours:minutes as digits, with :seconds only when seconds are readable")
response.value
11:53
